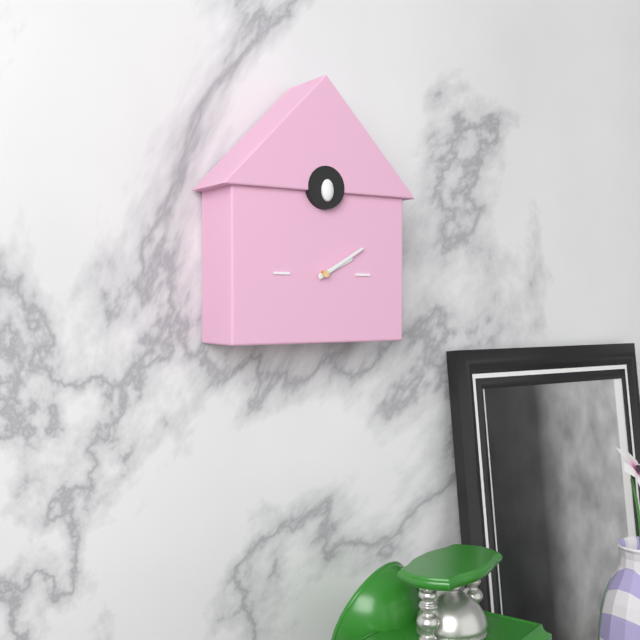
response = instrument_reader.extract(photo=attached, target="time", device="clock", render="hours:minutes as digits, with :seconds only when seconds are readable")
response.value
2:10
